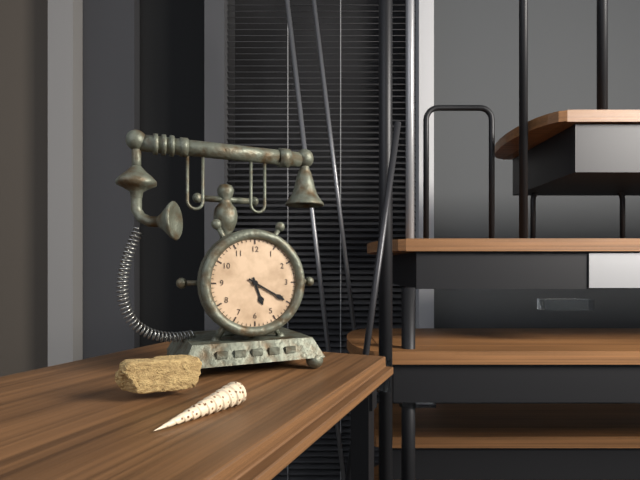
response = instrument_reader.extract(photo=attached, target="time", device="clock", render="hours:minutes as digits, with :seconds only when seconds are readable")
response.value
5:20
